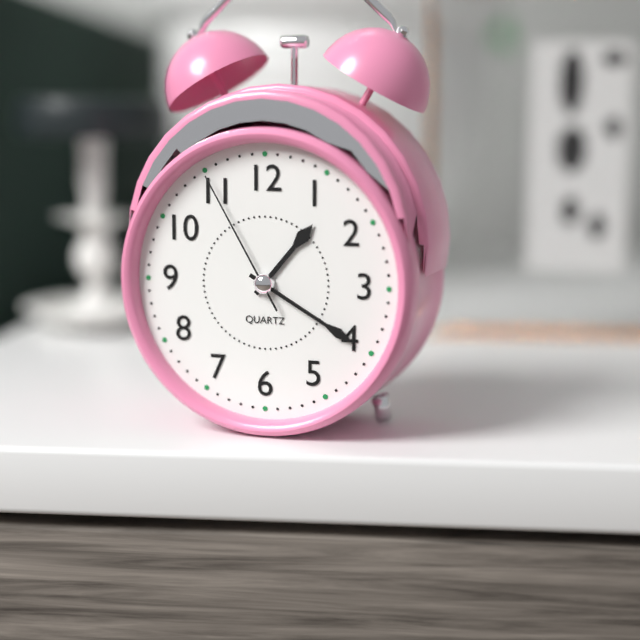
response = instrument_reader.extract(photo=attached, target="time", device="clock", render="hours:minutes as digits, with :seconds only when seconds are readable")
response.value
1:20:55
